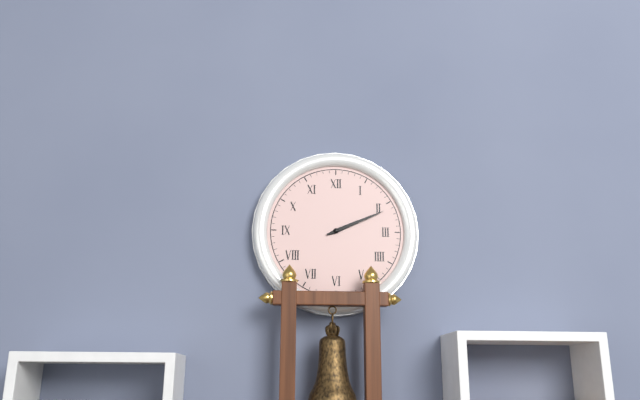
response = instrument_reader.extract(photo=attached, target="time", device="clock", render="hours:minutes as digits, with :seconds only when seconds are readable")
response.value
2:11
